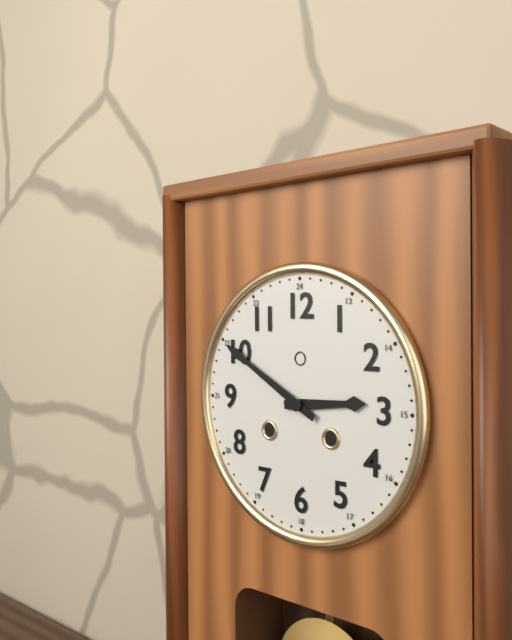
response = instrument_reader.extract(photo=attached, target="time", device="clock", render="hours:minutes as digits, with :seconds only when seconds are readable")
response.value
2:50
